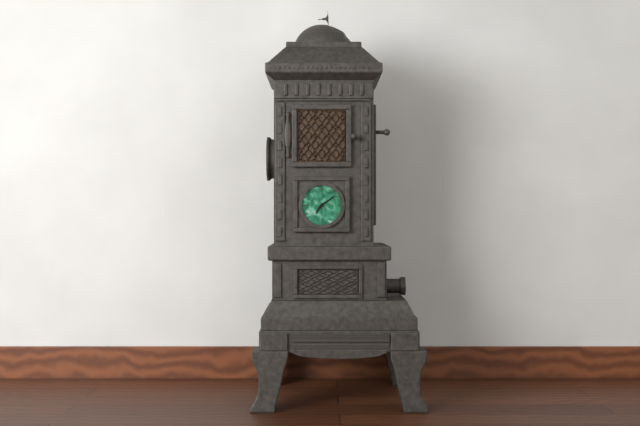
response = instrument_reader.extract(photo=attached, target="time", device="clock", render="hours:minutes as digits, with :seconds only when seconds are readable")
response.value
7:09
